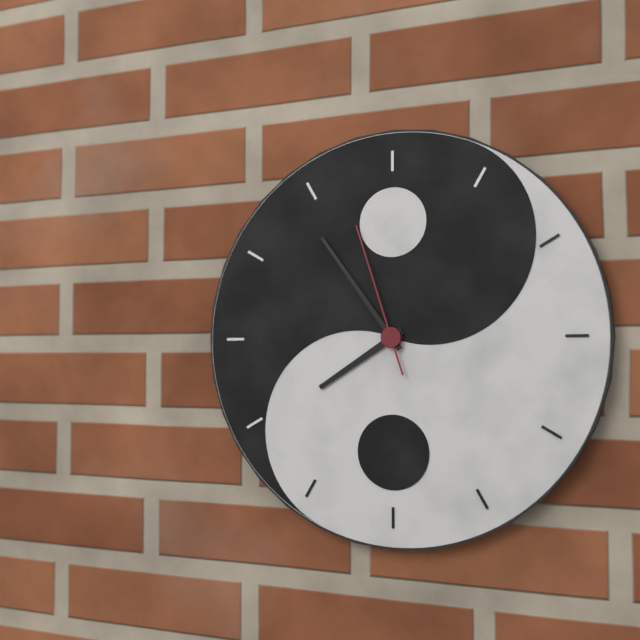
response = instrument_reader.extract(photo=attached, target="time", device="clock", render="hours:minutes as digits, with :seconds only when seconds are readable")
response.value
7:54:57
